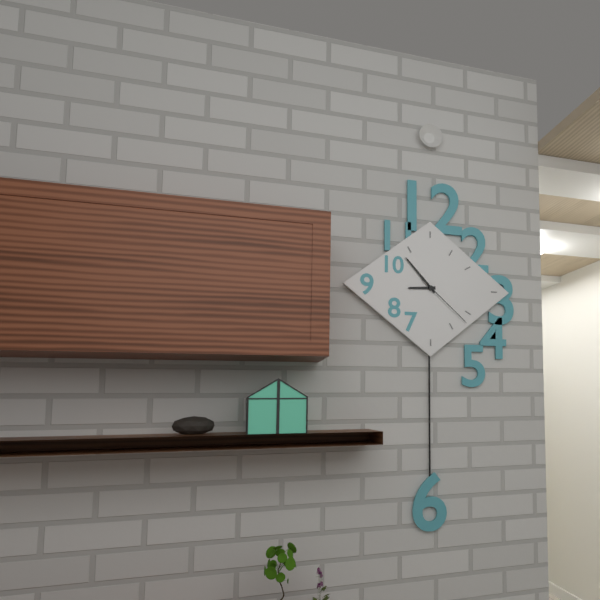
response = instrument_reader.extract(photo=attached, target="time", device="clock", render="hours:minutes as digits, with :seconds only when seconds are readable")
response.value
8:53:22
